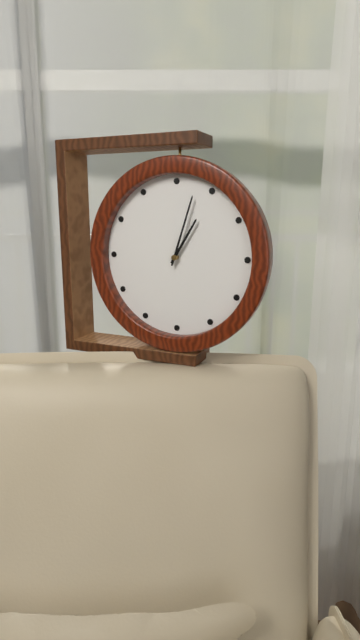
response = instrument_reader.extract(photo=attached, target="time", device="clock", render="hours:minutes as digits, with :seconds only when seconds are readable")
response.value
1:03
